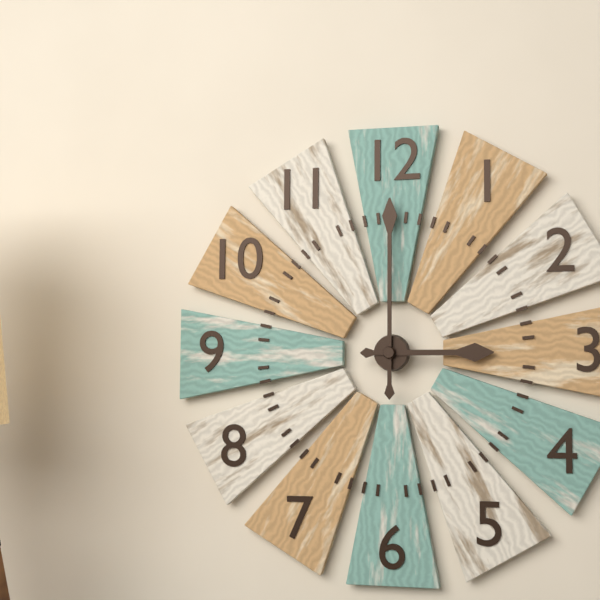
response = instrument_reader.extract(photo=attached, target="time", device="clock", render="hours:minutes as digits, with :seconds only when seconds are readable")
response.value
3:00
